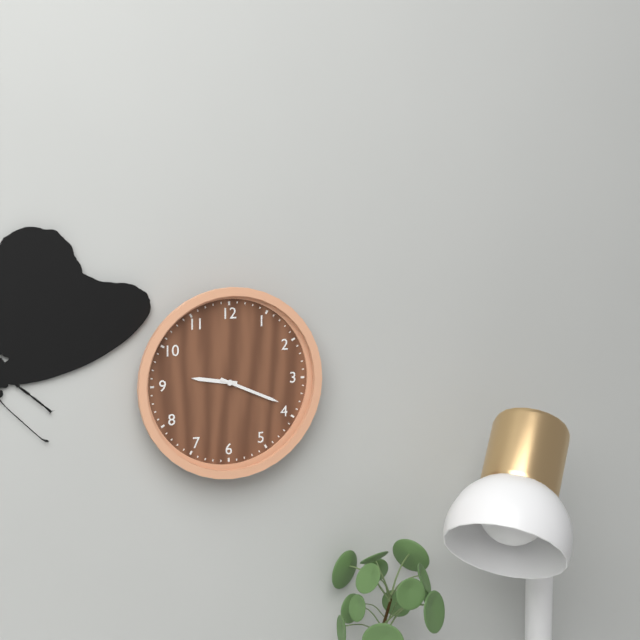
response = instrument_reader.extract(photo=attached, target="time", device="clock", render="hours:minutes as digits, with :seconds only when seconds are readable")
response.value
9:19
